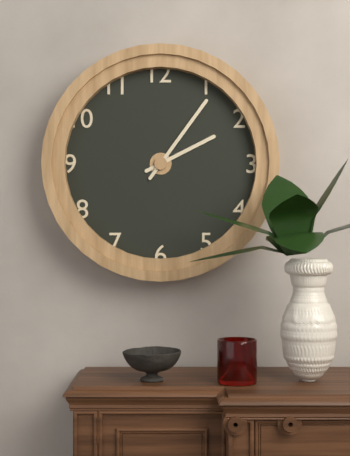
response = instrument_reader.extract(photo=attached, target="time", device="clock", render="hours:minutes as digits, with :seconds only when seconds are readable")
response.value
2:06
